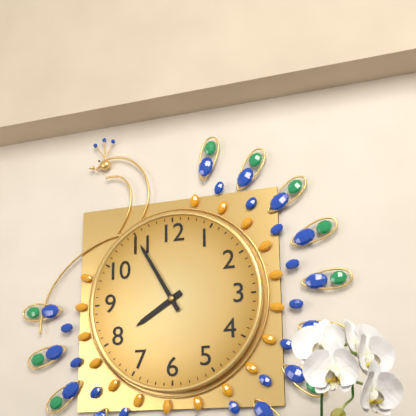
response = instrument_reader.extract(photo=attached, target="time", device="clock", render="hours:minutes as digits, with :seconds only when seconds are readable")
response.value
7:55
